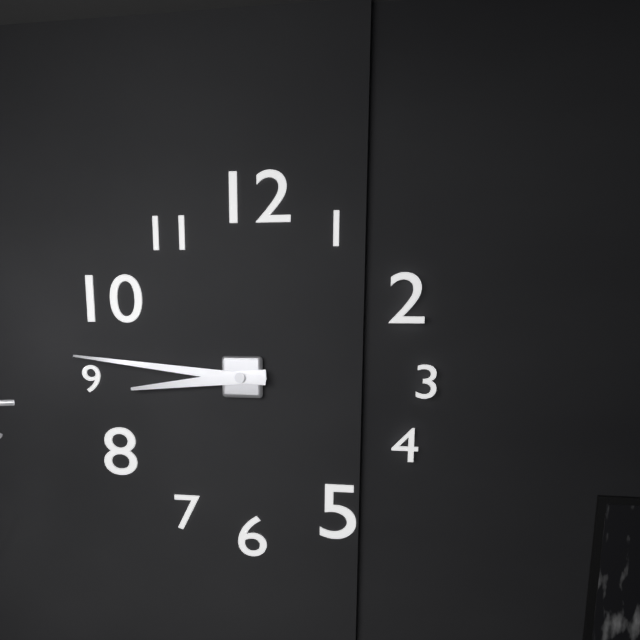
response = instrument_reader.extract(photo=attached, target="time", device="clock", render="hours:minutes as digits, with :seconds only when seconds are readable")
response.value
8:46
